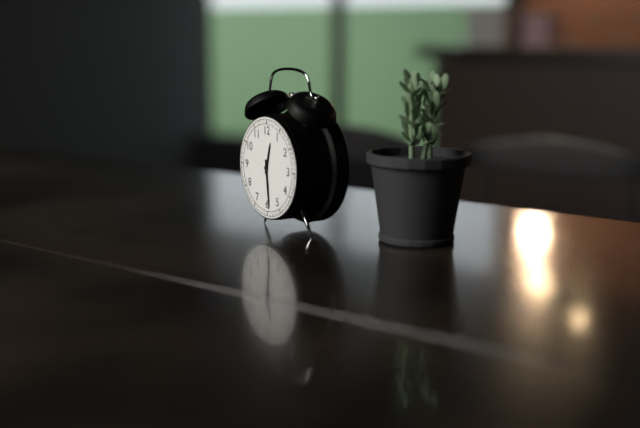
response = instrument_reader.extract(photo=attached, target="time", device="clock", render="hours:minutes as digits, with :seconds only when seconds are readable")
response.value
12:29
